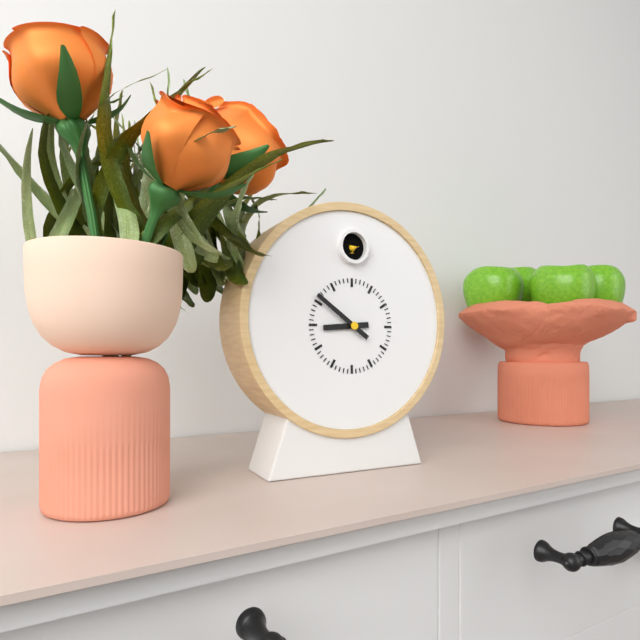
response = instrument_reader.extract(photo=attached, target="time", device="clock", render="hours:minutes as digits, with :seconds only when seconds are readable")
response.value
8:51
